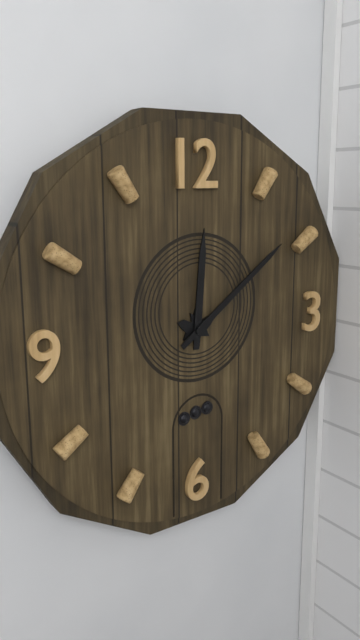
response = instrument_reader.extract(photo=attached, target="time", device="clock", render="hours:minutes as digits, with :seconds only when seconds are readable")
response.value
12:09
